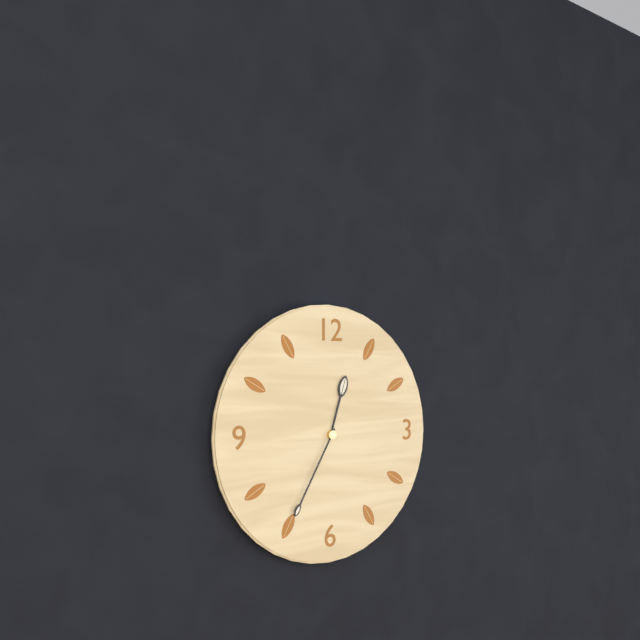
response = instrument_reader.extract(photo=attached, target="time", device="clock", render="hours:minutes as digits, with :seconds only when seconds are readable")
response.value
12:35
